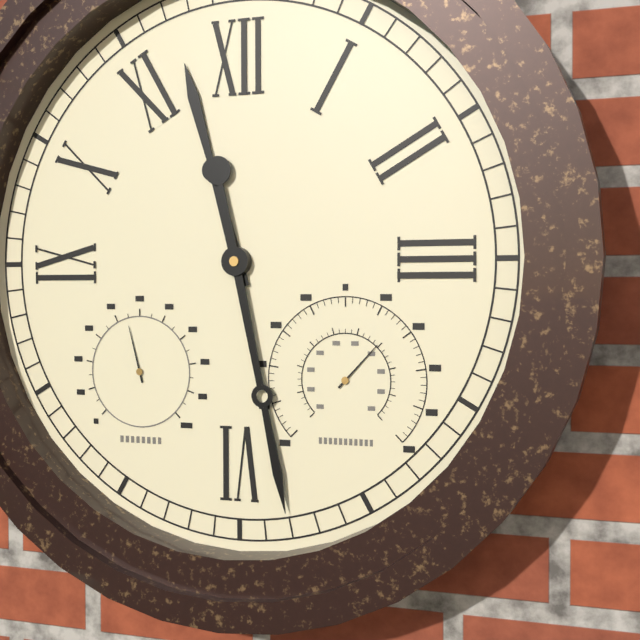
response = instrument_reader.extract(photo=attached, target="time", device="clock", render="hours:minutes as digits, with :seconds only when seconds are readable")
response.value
11:28
